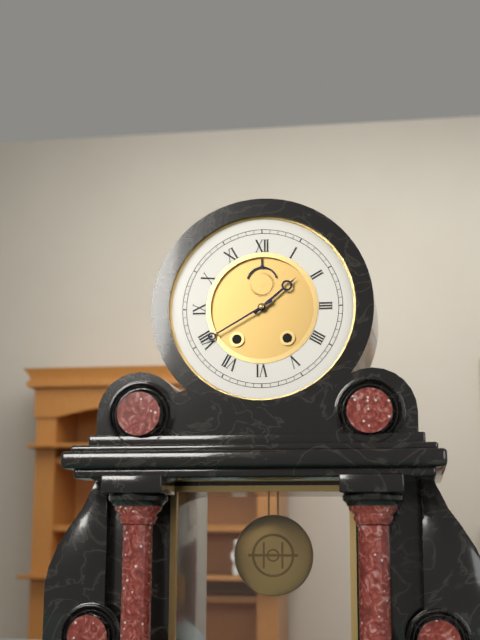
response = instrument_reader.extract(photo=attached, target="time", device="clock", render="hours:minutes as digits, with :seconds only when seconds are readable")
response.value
1:40
